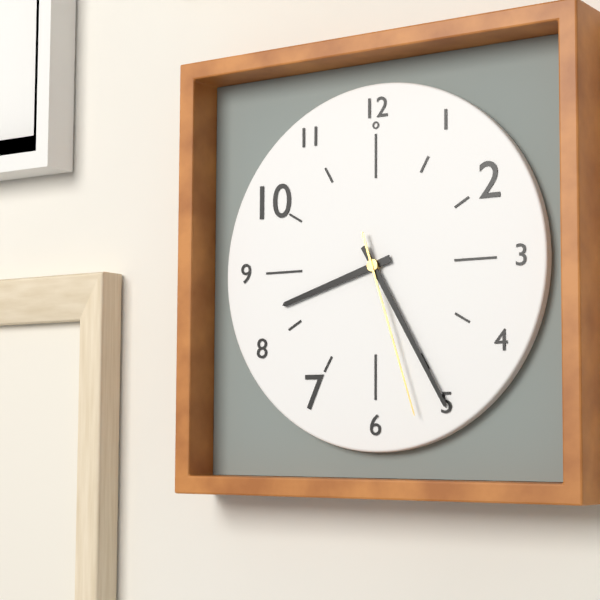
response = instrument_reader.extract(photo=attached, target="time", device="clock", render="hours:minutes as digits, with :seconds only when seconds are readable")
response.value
8:25:27
